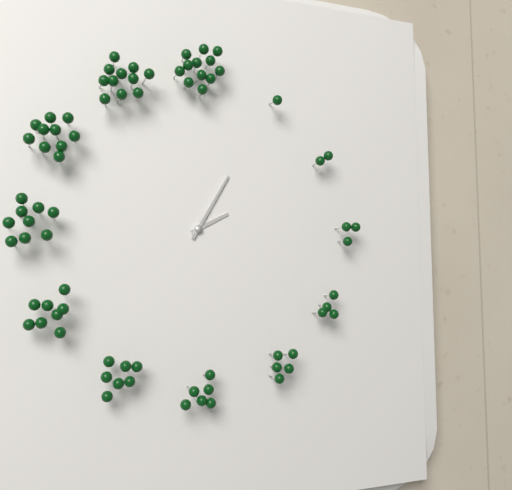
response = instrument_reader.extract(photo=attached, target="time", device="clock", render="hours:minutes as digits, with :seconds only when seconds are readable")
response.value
2:05
